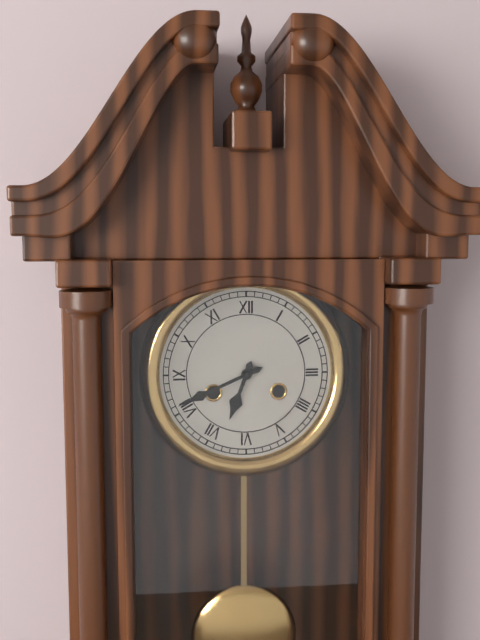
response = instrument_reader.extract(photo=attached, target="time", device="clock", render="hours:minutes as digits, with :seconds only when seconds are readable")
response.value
6:41
